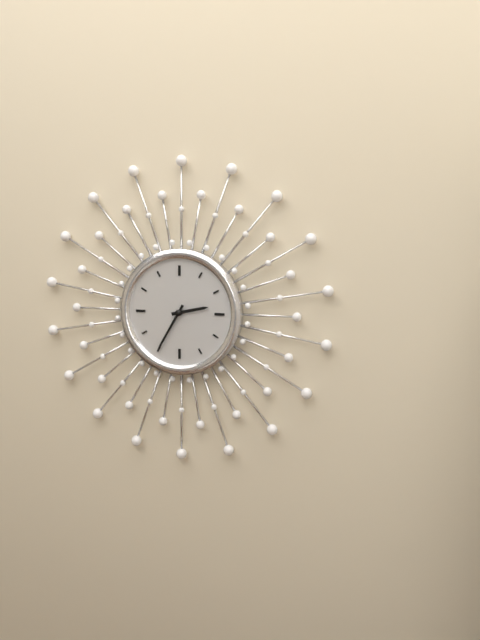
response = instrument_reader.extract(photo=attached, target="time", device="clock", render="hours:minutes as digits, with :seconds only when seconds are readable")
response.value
2:35
